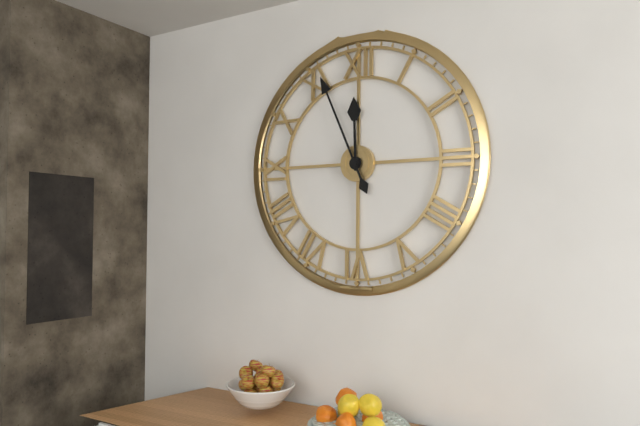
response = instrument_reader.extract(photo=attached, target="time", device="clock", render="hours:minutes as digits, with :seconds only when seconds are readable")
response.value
11:56
